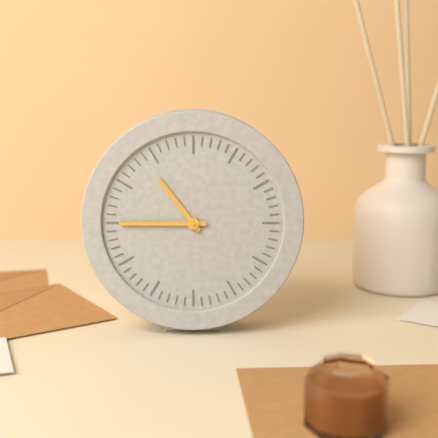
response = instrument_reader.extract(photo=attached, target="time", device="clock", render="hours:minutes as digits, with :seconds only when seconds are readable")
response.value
10:45
